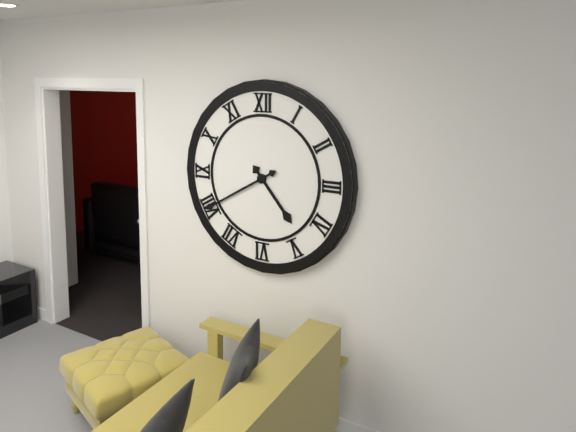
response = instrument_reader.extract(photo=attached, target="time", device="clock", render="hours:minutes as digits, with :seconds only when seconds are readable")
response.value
4:40
